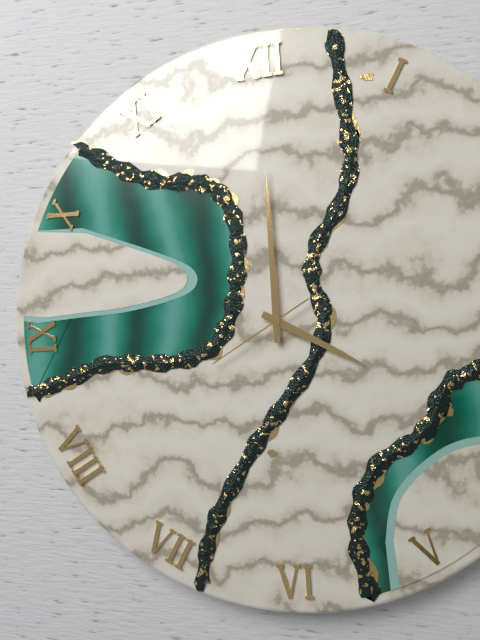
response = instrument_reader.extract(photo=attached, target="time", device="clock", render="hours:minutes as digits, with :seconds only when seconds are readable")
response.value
4:00:40
